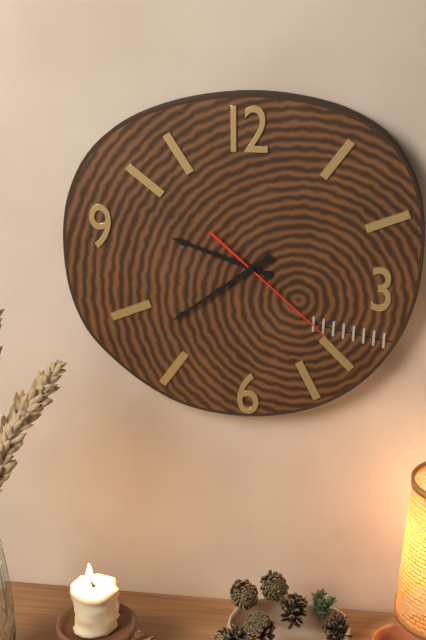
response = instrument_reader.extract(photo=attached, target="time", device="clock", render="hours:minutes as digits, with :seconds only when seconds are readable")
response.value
9:39:22
